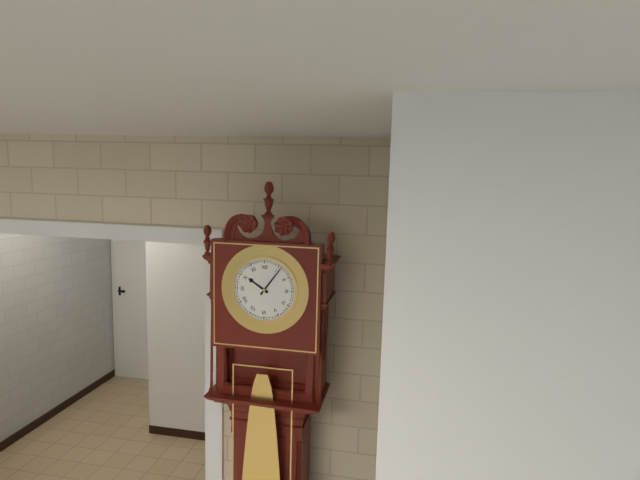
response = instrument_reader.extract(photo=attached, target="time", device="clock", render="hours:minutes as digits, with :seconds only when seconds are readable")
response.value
10:06
